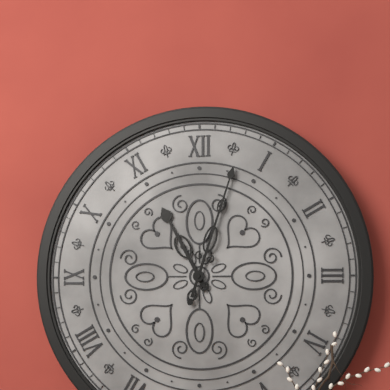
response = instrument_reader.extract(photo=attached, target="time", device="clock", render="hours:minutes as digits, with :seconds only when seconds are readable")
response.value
11:03
